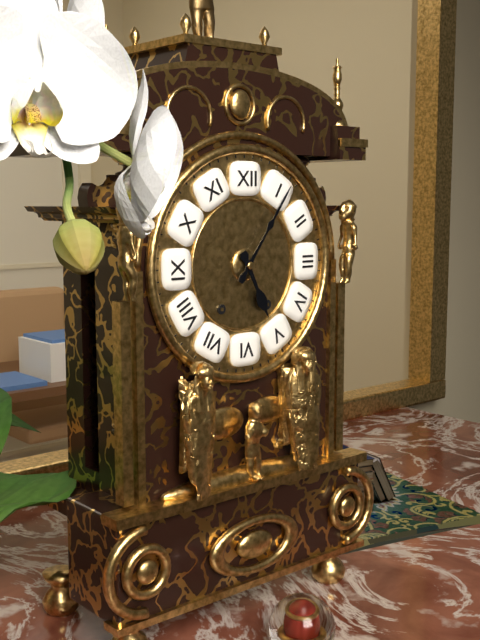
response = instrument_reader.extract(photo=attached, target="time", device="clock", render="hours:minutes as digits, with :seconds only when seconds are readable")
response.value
5:06
